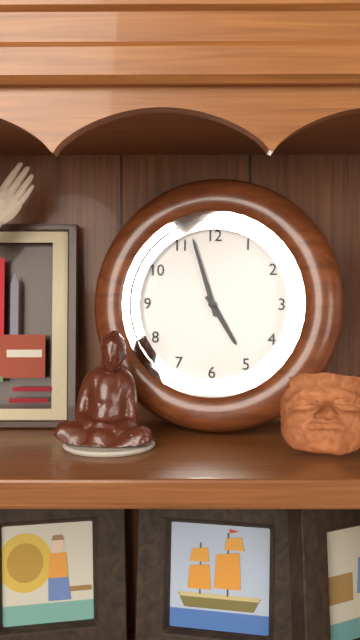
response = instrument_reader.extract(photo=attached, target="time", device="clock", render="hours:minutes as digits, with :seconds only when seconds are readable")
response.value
4:57
